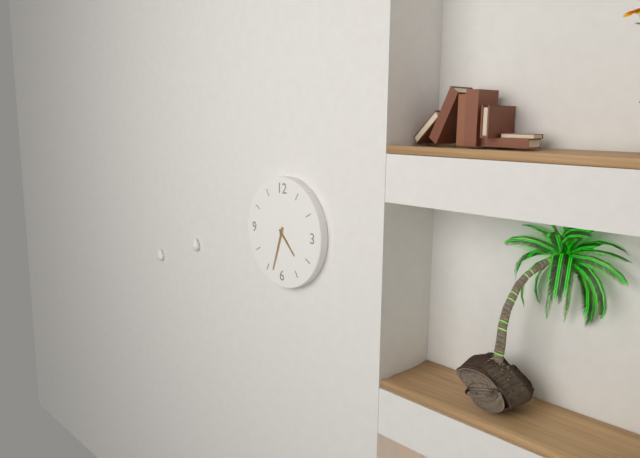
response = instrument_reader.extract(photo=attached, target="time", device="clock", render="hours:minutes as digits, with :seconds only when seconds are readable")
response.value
4:33
